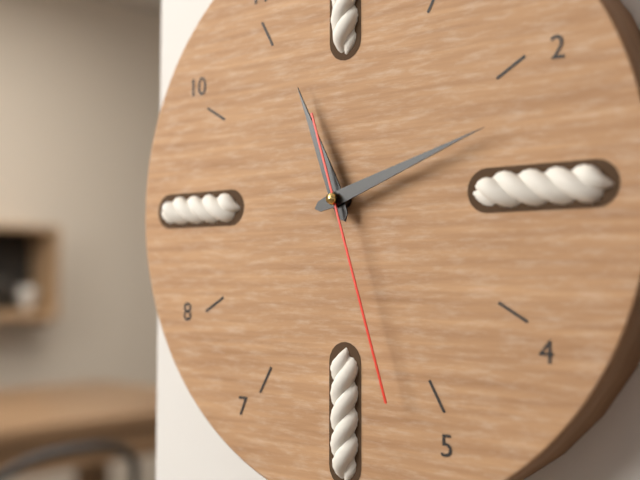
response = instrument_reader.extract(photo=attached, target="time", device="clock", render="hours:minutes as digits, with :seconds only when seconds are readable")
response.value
11:12:27
